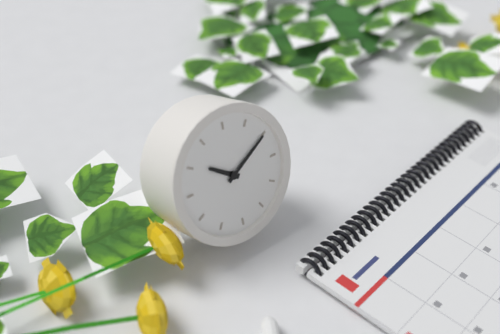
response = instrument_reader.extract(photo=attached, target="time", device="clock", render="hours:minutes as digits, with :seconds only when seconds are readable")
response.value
10:10
